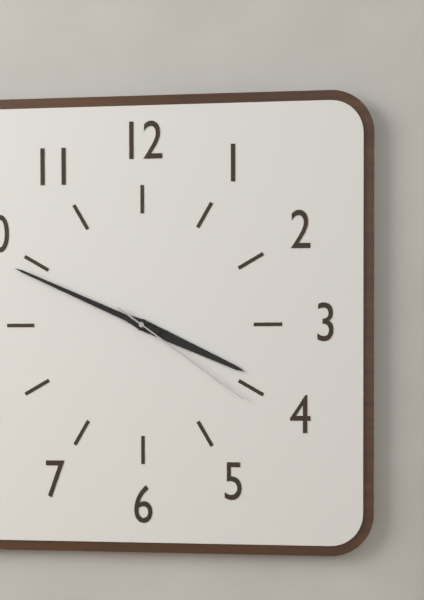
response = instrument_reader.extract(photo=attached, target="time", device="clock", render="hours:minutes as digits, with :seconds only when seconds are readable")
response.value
3:49:21
